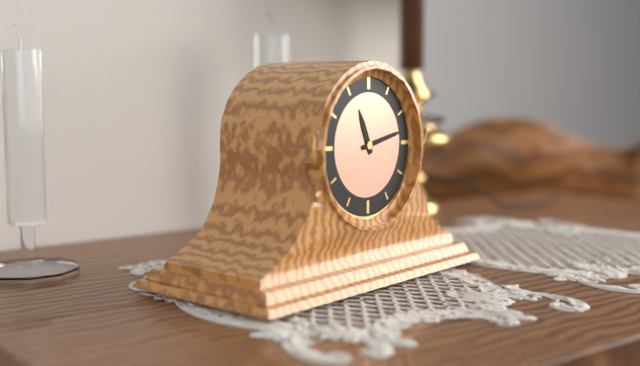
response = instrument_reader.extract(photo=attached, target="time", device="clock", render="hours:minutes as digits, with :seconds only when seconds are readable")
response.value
11:13
